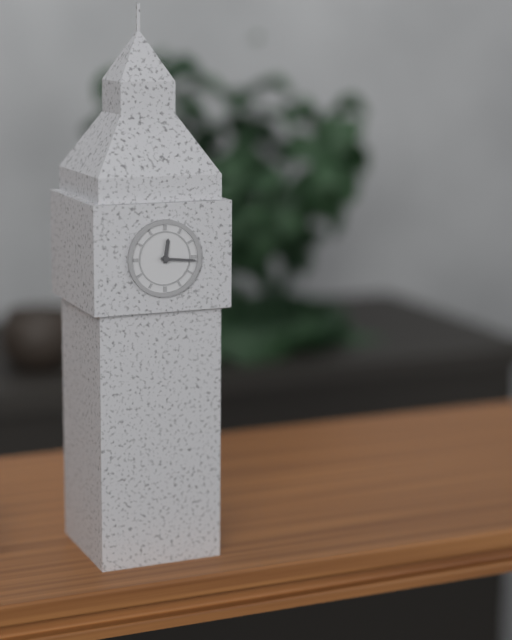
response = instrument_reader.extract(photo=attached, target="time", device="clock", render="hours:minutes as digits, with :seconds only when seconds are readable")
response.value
12:16
